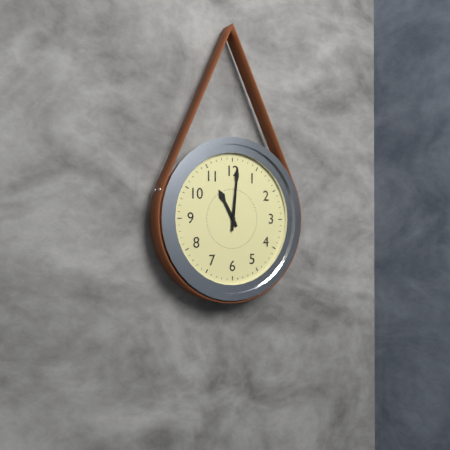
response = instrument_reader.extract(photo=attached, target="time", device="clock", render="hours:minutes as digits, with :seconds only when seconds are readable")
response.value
11:01
